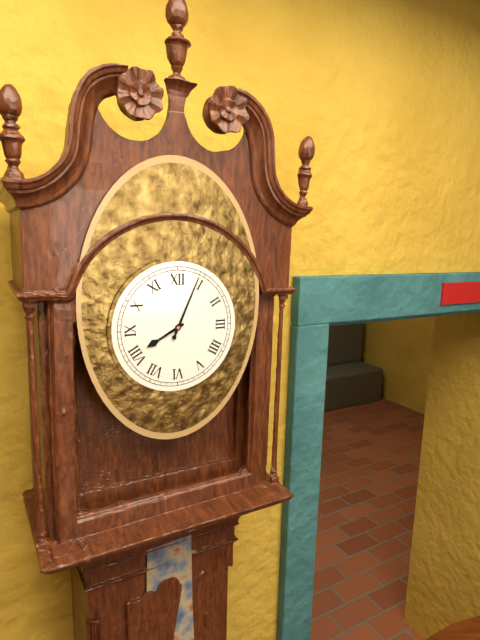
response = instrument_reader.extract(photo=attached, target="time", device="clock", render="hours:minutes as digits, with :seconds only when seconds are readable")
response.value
8:04
